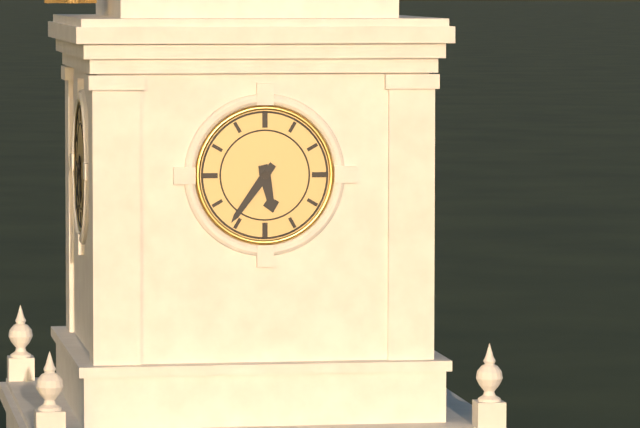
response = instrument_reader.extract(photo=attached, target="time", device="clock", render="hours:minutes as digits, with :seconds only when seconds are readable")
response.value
5:36
